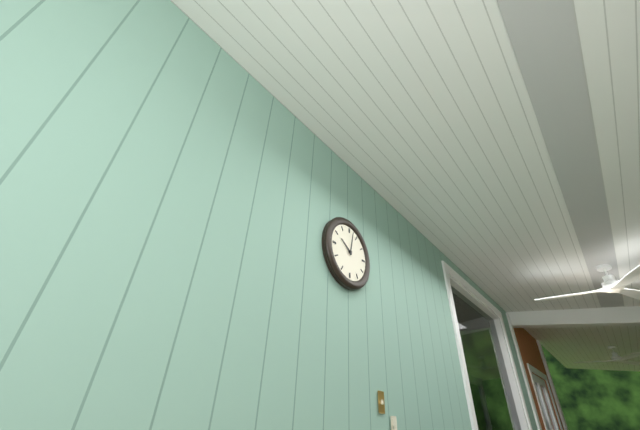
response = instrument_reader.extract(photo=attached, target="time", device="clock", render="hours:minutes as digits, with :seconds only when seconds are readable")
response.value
10:02
